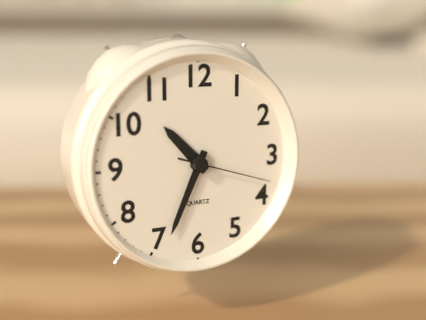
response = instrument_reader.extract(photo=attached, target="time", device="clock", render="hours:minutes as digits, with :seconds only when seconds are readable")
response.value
10:34:18
